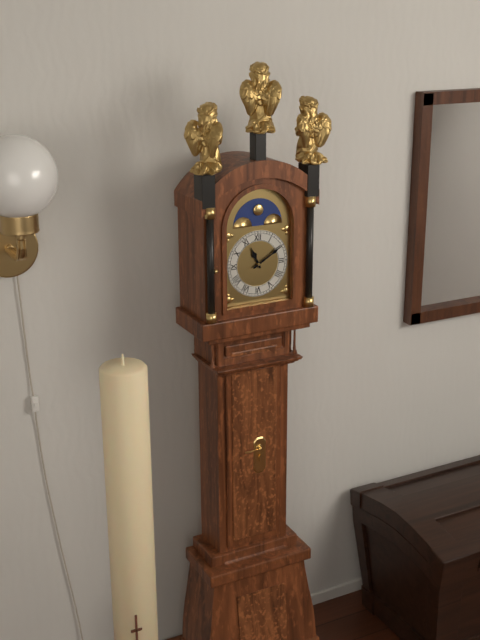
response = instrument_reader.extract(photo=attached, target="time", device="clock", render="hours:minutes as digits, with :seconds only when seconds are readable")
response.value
11:10
